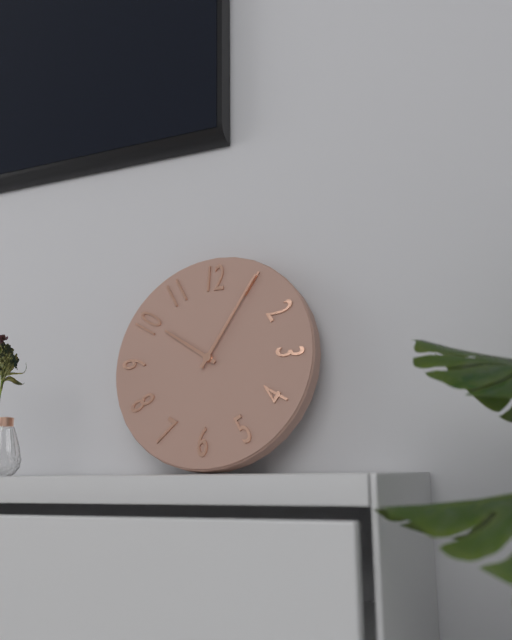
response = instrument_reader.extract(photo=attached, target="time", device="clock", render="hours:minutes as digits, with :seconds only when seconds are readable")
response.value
10:05
